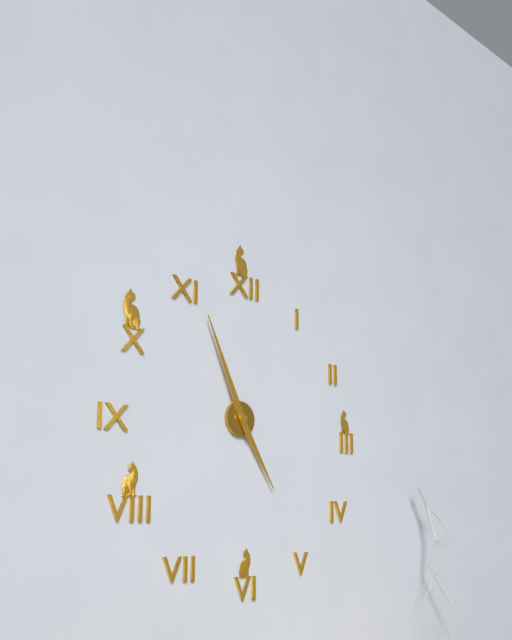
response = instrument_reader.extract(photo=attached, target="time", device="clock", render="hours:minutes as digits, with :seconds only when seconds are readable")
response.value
4:56
